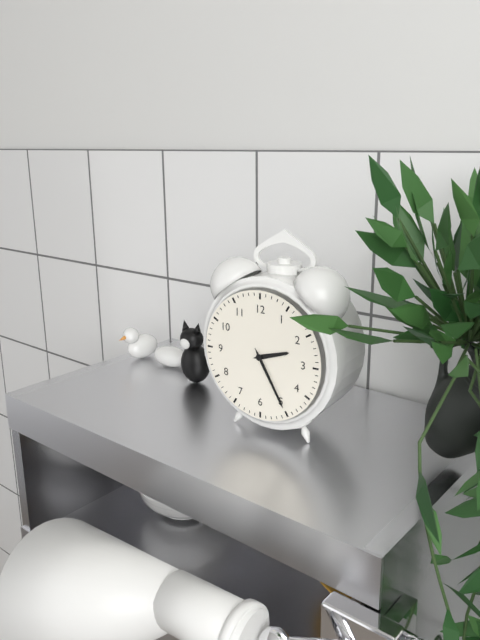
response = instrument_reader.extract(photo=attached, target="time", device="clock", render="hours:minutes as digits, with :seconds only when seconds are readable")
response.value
2:25
